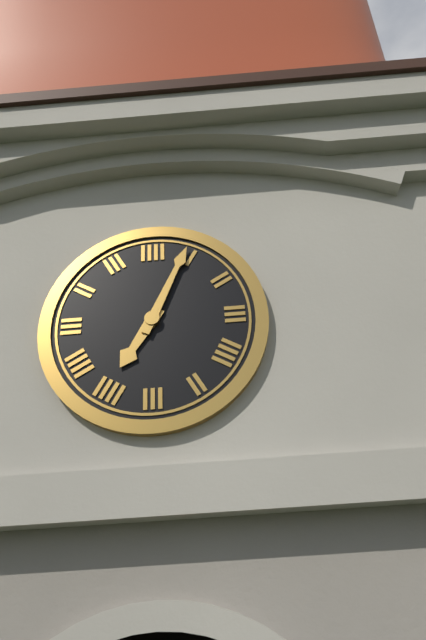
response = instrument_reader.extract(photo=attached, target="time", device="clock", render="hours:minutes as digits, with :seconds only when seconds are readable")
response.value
7:04
